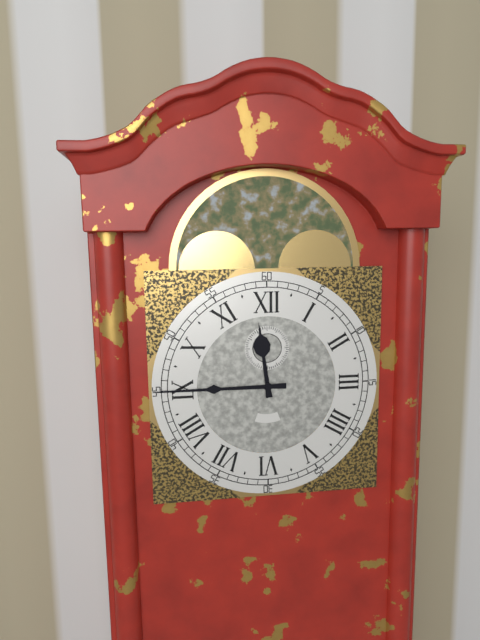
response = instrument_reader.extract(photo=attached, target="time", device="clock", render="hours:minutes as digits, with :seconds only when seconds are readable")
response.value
11:45
